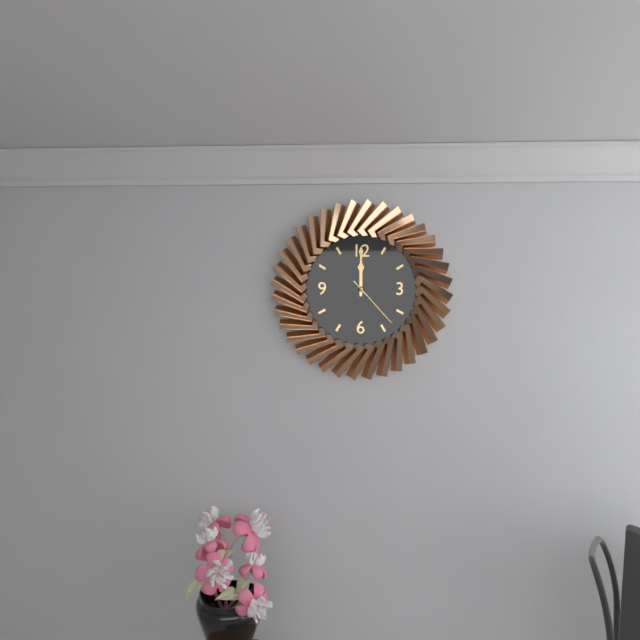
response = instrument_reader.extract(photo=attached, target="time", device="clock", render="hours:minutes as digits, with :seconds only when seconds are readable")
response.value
12:00:23
